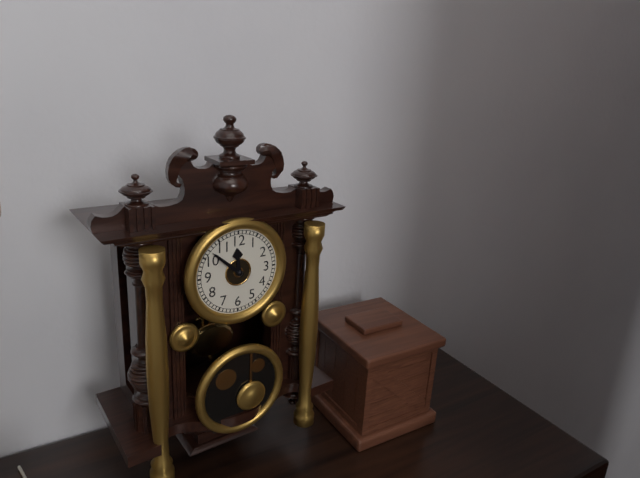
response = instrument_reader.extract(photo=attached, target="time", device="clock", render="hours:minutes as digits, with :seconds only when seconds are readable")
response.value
11:52
